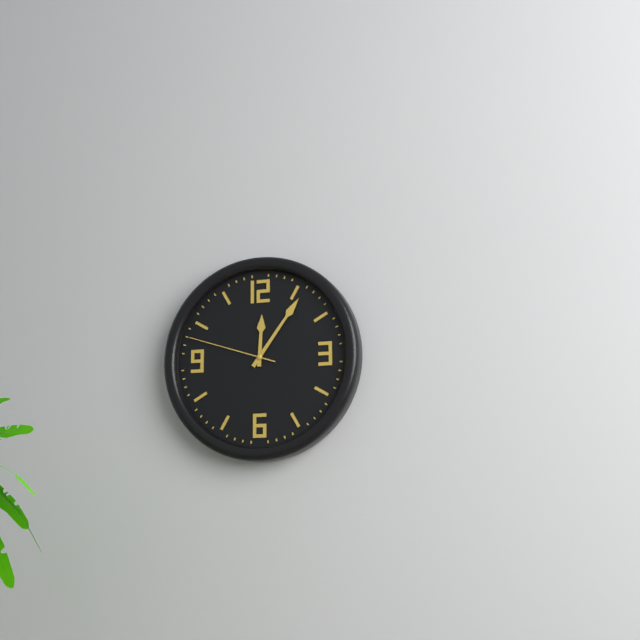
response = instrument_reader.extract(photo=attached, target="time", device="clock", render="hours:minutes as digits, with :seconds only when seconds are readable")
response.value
12:06:48
